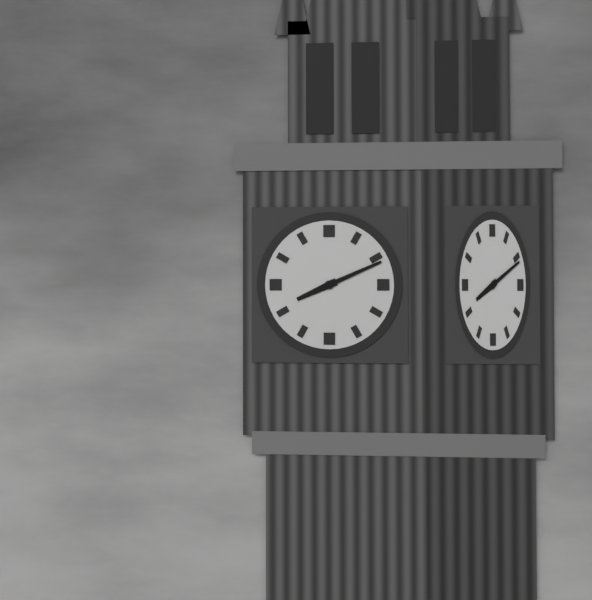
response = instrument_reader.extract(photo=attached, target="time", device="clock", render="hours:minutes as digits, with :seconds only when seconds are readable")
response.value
8:11
